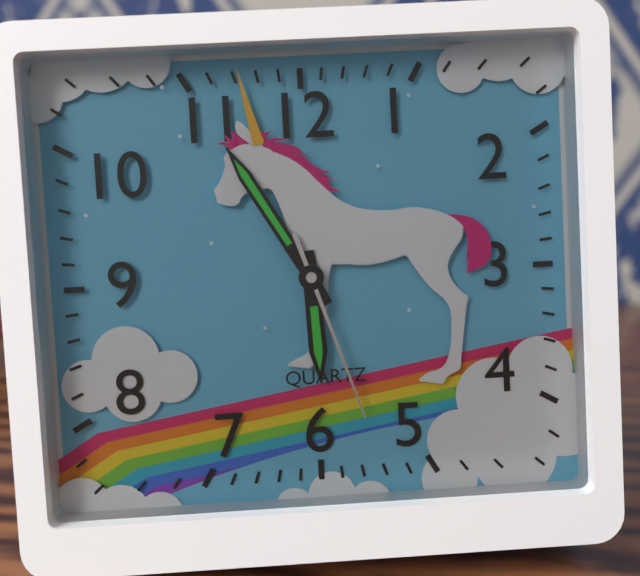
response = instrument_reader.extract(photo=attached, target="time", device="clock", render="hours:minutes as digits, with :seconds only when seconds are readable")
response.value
5:55:27
